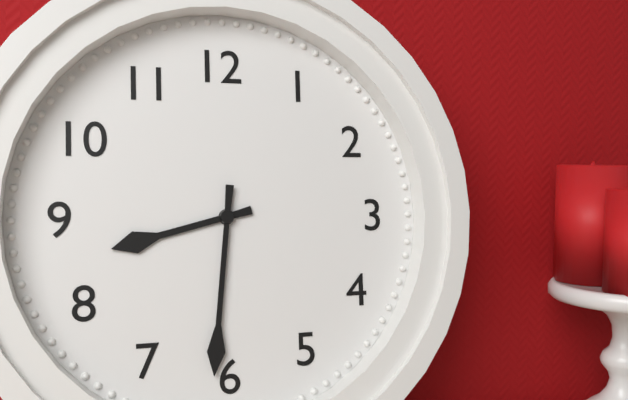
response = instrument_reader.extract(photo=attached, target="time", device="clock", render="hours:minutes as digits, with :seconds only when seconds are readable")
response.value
8:31
